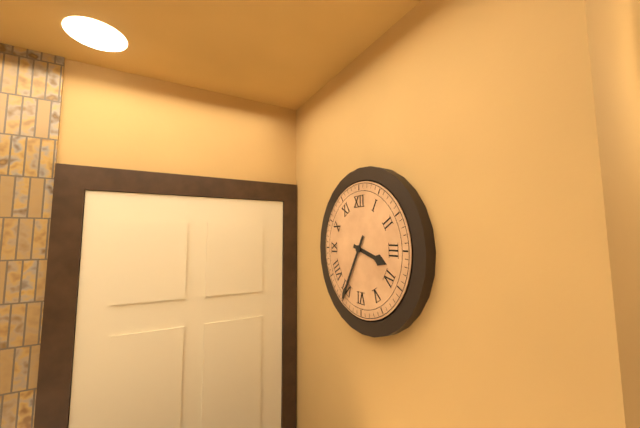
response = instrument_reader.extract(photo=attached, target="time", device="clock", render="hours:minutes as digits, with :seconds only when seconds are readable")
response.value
3:35
